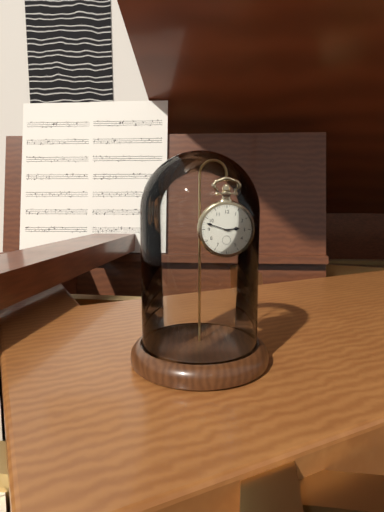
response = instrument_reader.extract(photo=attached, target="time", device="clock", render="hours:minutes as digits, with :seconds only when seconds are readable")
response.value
2:48
